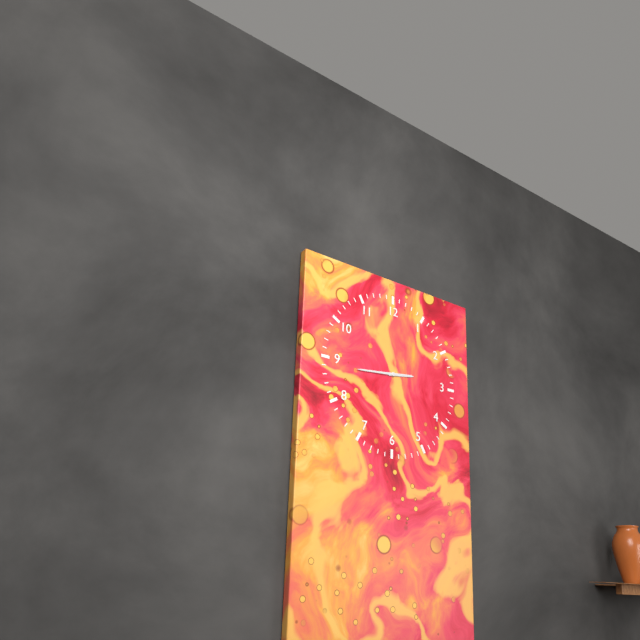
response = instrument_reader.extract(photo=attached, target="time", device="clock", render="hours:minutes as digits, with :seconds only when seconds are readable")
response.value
2:44
